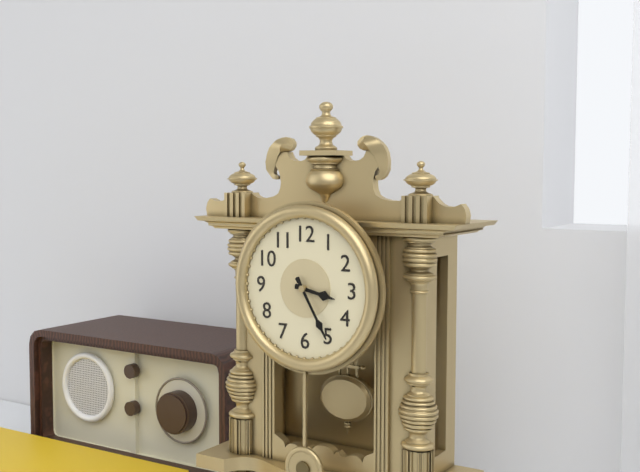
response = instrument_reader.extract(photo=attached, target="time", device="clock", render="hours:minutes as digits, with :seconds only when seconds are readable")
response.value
3:25
